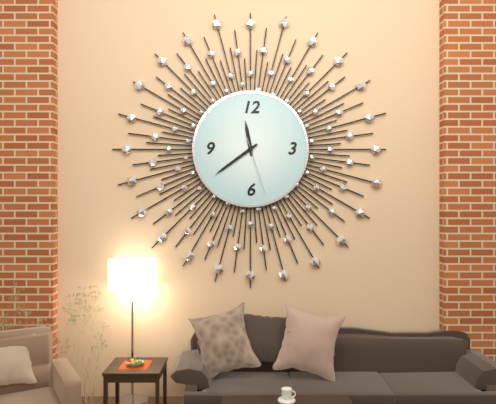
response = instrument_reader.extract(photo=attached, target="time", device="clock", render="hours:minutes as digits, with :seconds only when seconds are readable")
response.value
11:39:27
